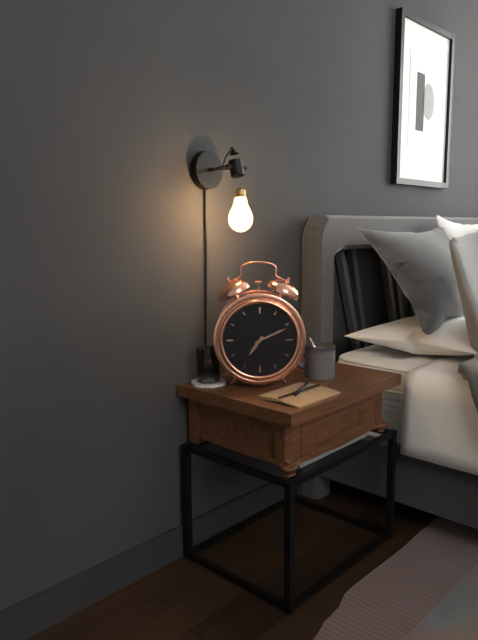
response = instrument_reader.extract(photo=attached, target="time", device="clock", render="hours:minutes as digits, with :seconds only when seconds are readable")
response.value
7:11
